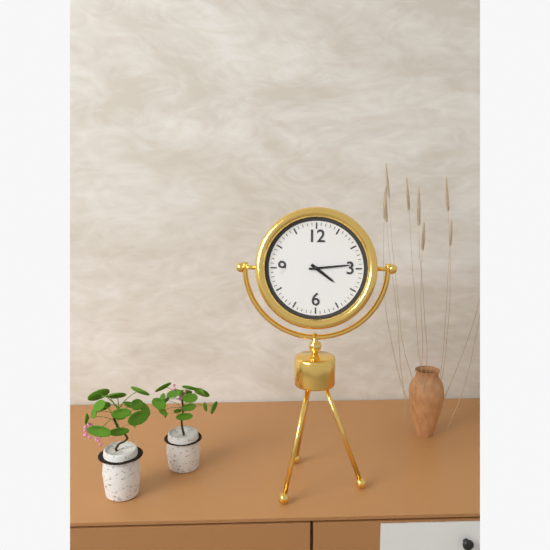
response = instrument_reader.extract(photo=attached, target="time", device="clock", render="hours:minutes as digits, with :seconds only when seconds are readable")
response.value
4:14
